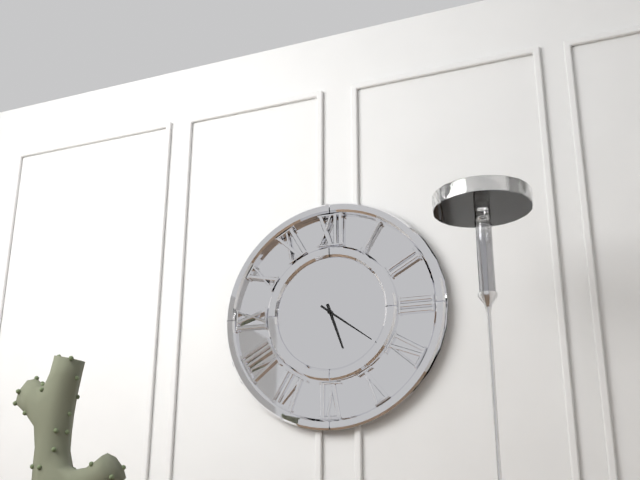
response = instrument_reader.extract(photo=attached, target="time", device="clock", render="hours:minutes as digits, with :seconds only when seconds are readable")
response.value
5:21
